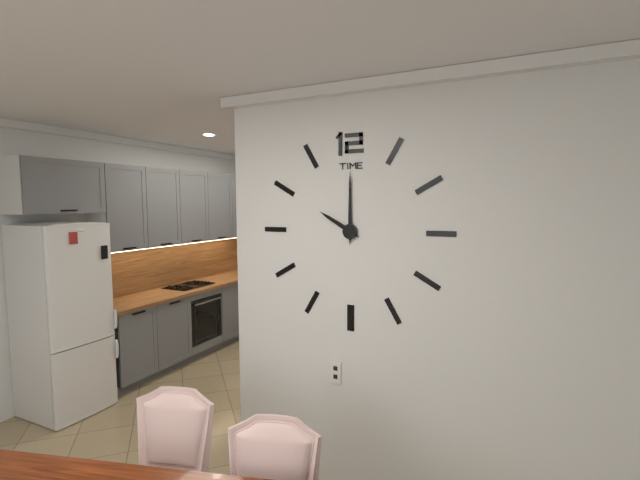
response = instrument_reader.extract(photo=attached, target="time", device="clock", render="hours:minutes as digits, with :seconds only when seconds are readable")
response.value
10:00
